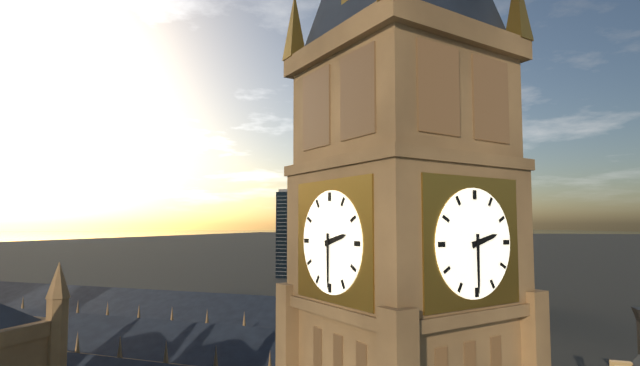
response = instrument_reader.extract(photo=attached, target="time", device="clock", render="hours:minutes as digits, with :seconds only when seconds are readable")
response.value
2:30
